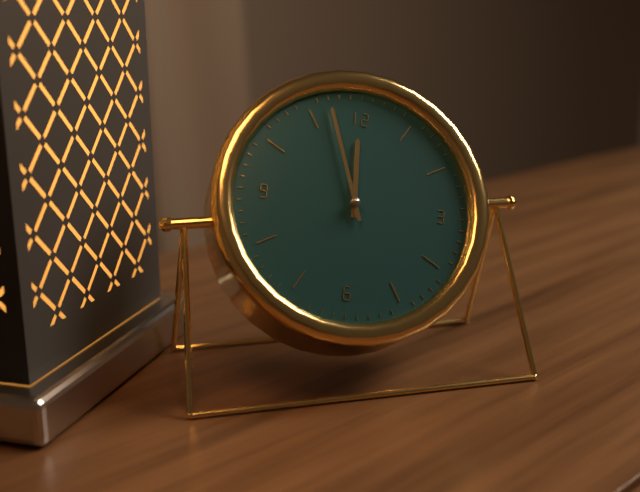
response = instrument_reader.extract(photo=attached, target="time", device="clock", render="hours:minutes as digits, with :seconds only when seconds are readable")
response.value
11:57
